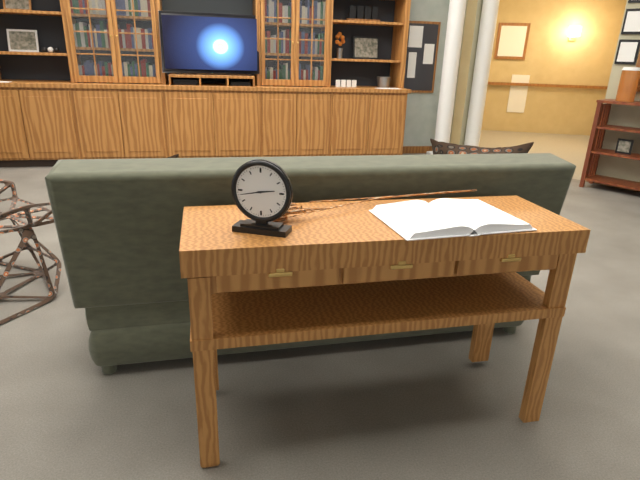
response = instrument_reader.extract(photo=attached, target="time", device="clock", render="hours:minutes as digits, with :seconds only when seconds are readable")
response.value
2:43
